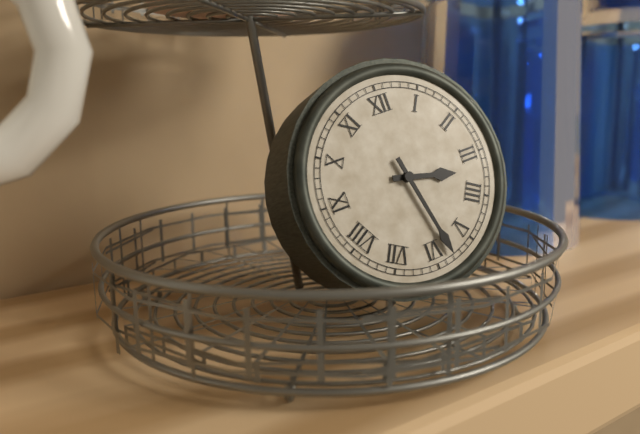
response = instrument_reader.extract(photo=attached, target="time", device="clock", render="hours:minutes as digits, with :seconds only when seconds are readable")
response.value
3:28
